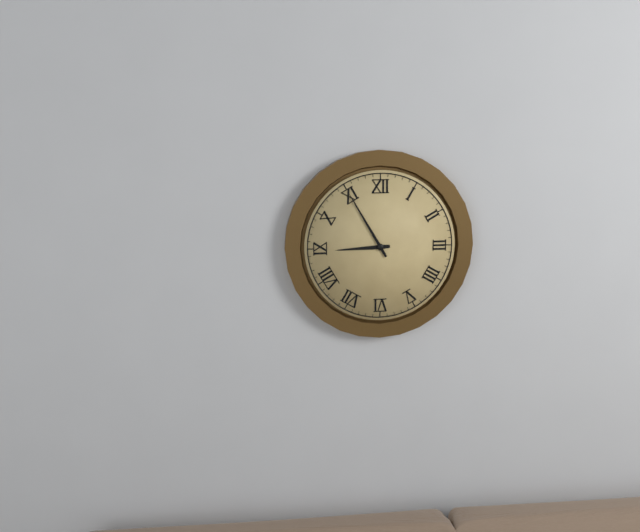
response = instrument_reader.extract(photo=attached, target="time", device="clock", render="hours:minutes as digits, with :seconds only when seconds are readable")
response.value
8:55
